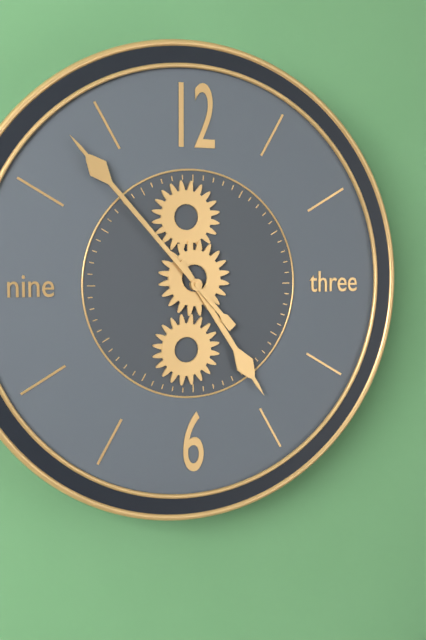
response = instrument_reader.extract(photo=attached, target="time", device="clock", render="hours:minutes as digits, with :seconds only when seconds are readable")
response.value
4:53
